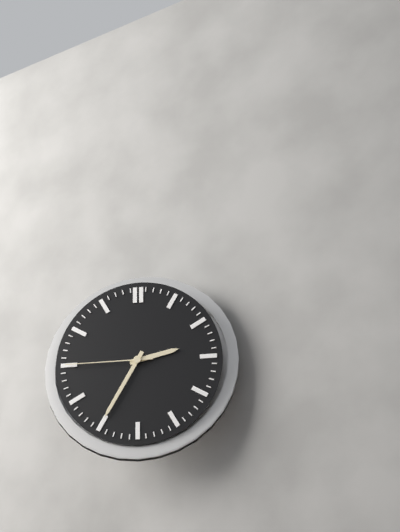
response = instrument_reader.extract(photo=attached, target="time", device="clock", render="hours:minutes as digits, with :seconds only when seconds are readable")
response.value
2:35:45
